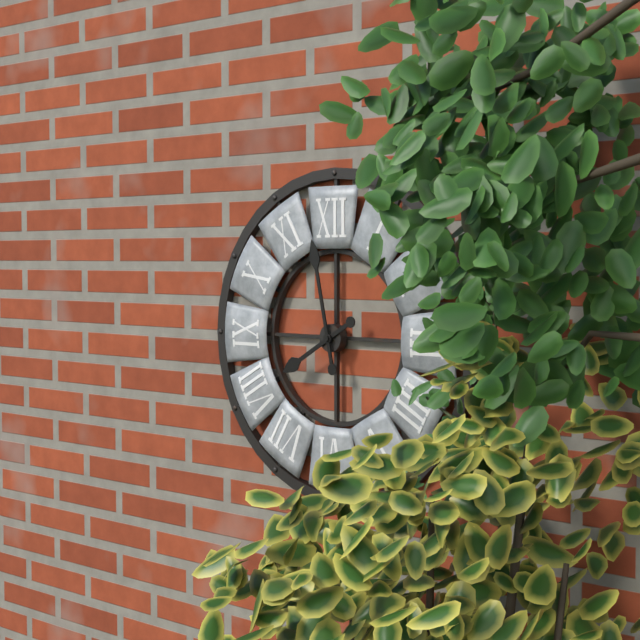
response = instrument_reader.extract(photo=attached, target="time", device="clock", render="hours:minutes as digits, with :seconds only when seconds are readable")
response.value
7:58
